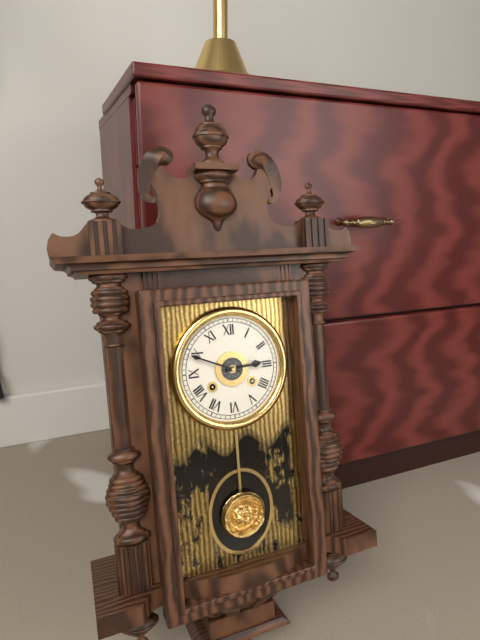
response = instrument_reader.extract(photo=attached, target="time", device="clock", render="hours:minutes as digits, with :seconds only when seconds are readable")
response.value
2:49
